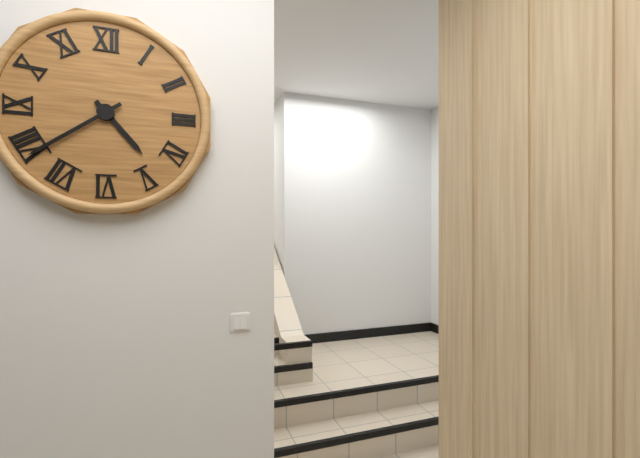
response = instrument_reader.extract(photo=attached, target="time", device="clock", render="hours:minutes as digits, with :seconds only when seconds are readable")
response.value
4:39
